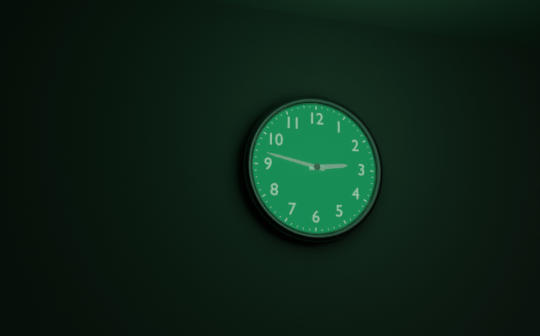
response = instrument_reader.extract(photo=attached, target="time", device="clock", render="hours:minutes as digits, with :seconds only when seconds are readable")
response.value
2:47
